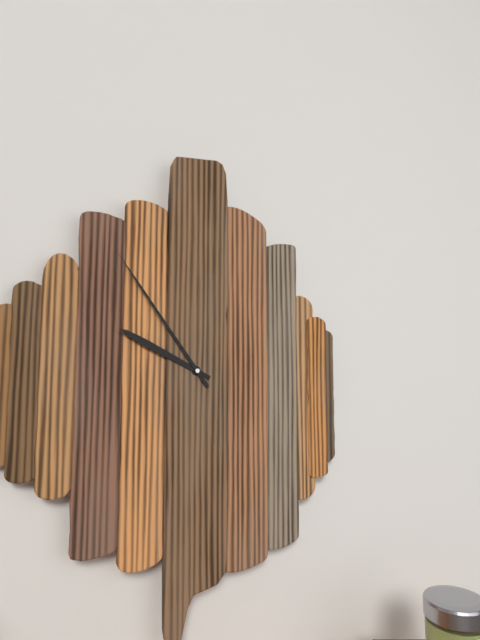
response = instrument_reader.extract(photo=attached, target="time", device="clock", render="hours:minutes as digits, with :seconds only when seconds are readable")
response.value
9:54
